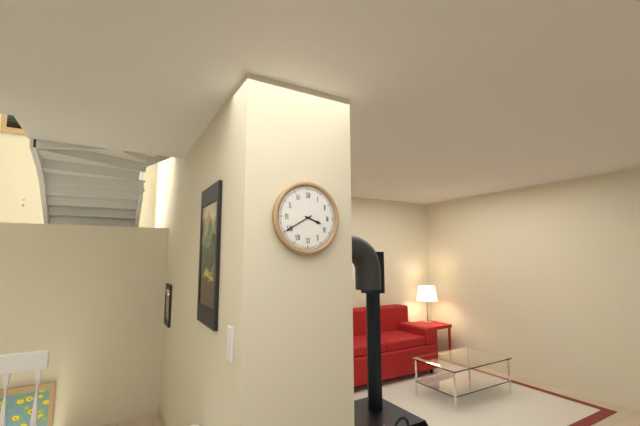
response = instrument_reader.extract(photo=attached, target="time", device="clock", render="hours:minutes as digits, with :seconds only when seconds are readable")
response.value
3:40
